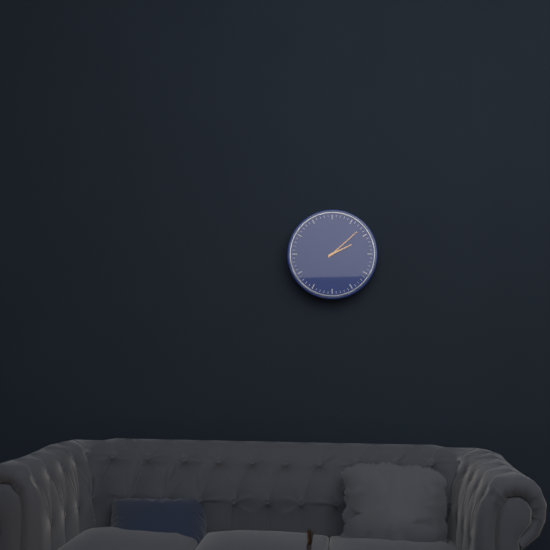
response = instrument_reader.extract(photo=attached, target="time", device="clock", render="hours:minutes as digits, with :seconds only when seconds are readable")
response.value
2:08
